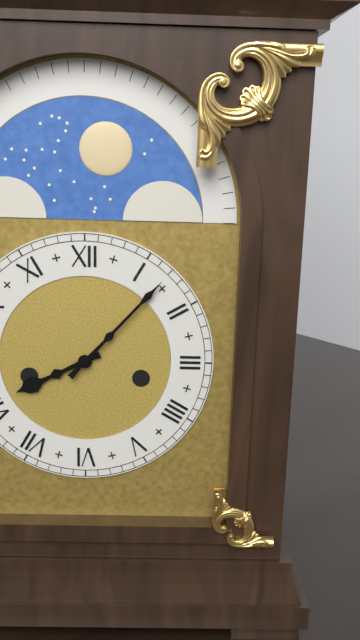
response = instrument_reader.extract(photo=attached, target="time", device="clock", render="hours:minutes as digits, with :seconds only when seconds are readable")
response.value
8:07
